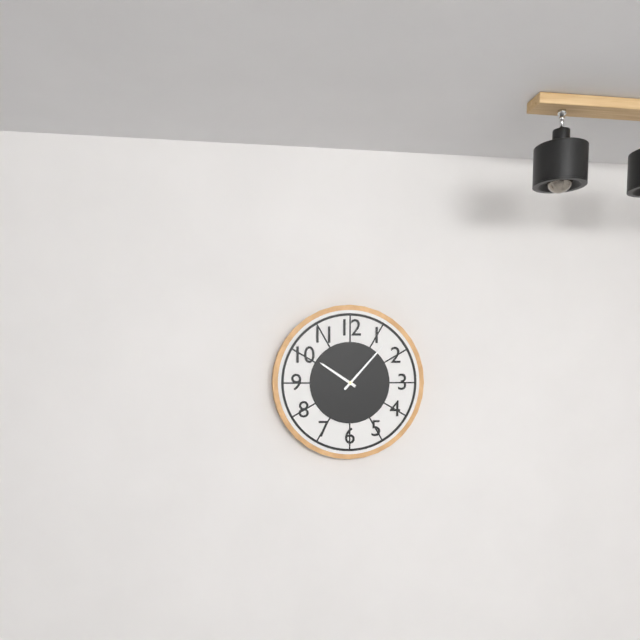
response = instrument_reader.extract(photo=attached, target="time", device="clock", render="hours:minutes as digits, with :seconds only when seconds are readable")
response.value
10:07
